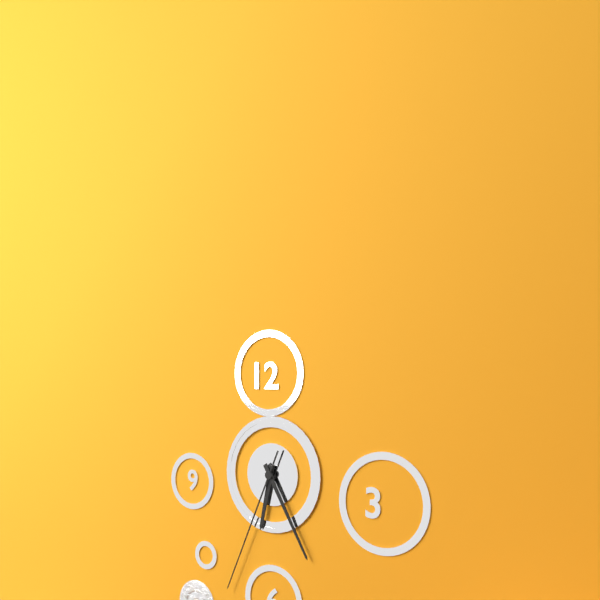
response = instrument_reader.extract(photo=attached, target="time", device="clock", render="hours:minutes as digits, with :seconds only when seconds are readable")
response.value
6:25:34
